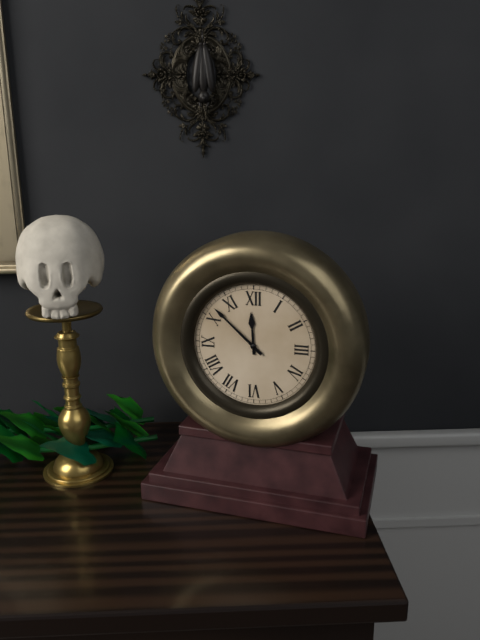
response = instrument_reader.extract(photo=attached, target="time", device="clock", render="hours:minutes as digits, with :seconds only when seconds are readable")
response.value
11:52
